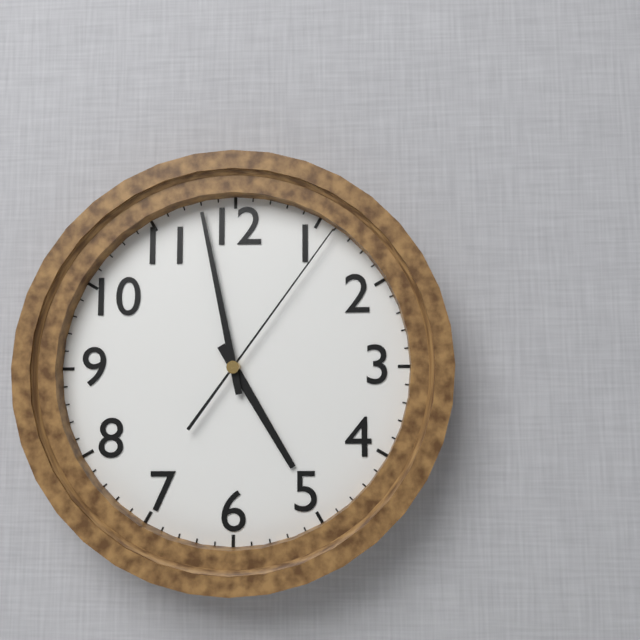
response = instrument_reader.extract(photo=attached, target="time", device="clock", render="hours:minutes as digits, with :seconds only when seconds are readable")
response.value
4:58:06
